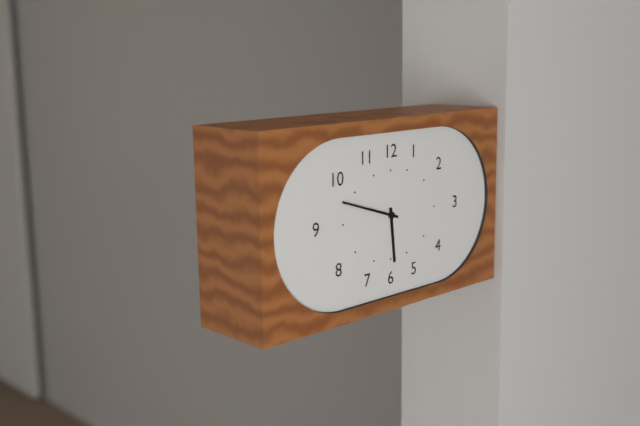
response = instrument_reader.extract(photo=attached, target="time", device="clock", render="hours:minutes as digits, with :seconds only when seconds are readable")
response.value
5:48
